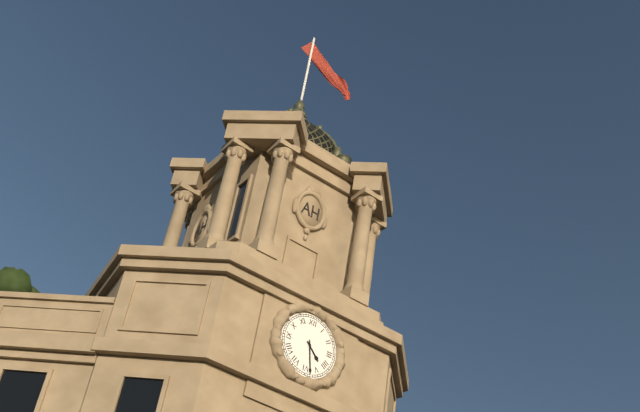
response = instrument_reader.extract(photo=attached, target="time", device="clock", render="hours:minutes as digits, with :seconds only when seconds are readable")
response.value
4:28
